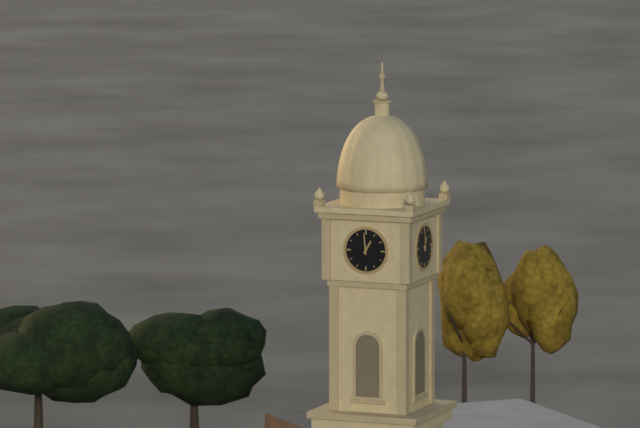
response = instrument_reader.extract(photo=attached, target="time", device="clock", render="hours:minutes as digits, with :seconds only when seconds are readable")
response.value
12:59
